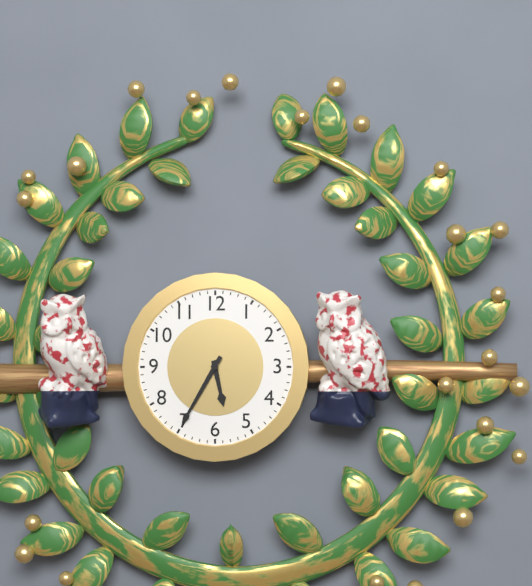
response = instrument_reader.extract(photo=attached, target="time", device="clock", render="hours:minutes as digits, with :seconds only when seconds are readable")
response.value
5:35
